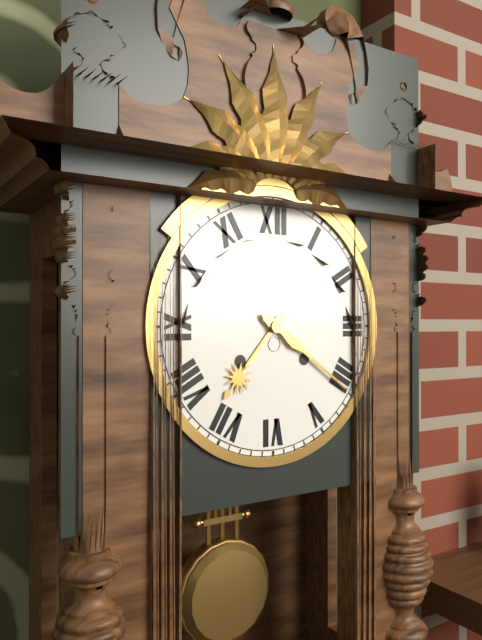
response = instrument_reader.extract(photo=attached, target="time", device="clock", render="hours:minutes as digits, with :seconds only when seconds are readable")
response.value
7:21
